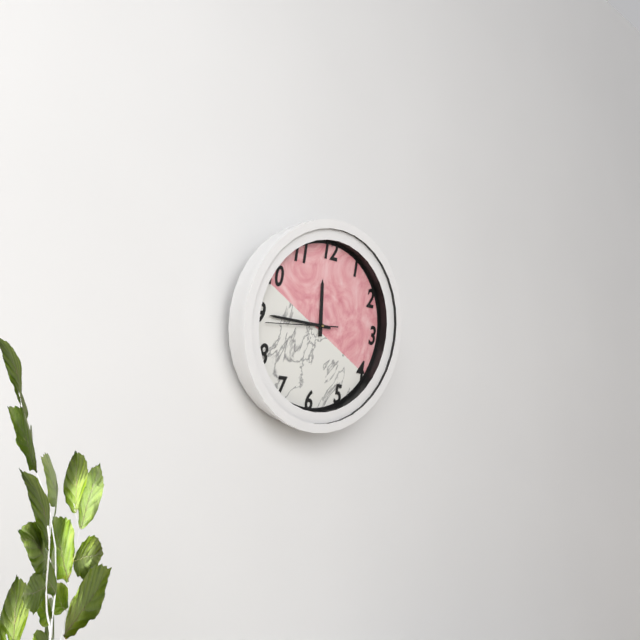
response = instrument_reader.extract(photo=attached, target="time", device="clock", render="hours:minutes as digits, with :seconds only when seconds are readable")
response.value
11:45:44
